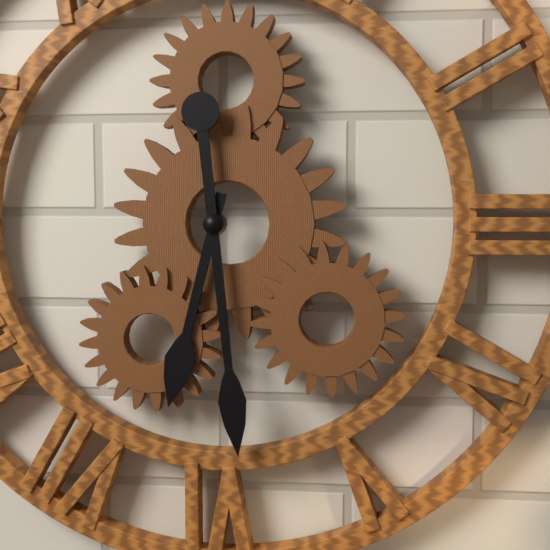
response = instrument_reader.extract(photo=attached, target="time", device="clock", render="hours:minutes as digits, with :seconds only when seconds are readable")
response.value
6:29
